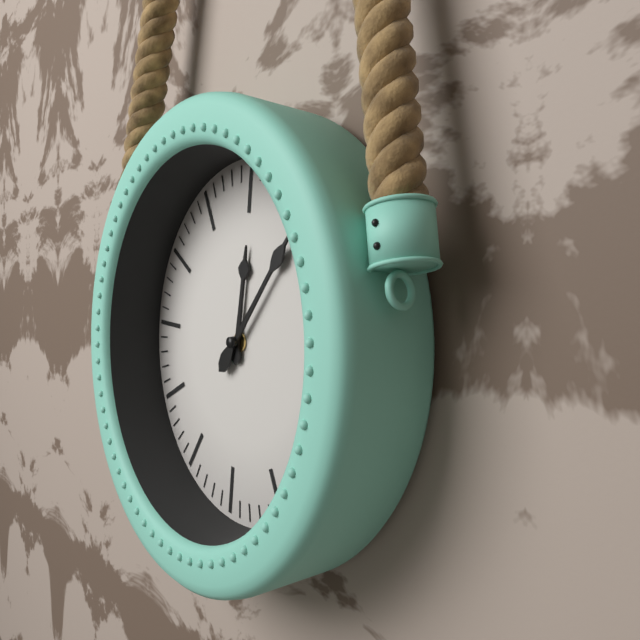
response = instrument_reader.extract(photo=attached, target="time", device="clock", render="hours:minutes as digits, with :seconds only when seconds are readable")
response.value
12:06
